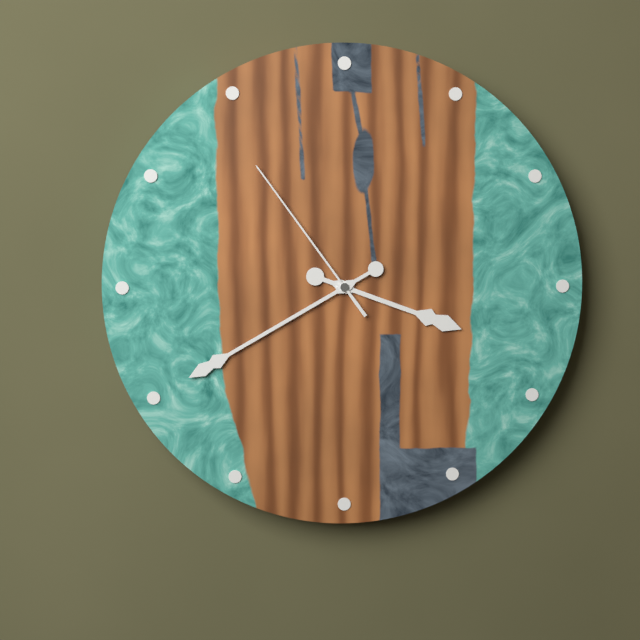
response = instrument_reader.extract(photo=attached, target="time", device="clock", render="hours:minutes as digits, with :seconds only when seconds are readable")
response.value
3:40:54
